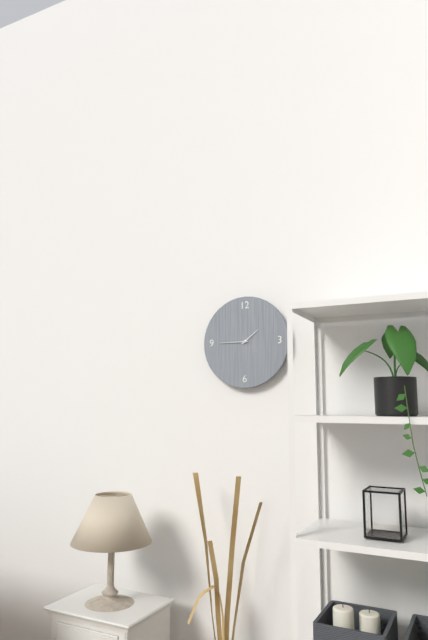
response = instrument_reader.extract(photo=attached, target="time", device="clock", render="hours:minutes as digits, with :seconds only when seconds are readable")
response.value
1:45
